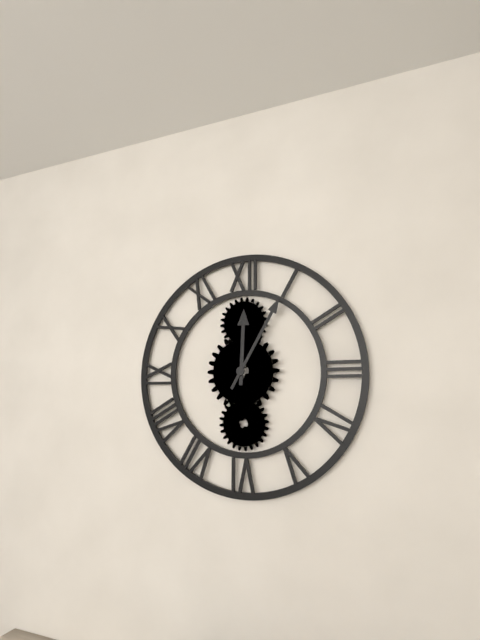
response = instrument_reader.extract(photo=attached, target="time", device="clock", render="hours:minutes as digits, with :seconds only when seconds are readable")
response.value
12:05
